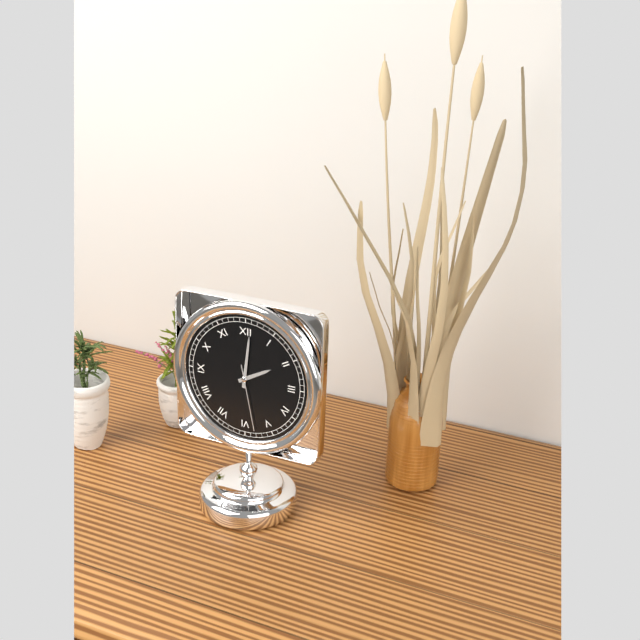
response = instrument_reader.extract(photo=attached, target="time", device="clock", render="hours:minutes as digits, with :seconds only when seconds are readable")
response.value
2:01:28
